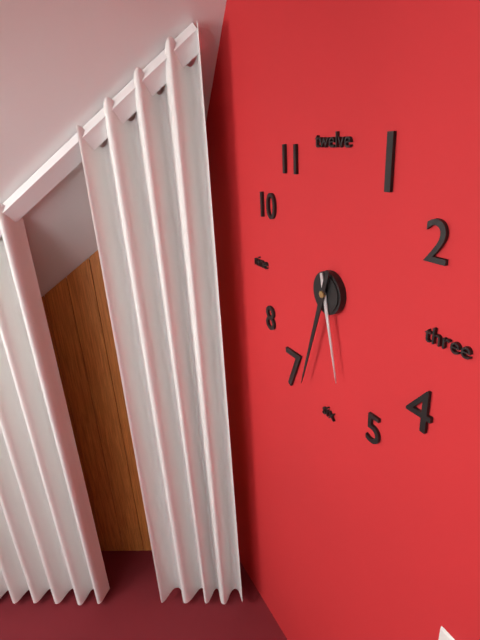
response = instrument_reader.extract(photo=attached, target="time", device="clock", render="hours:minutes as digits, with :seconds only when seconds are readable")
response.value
5:33
